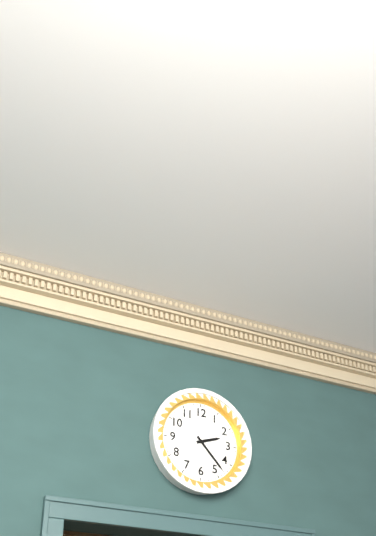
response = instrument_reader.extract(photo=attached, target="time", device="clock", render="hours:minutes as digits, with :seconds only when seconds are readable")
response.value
2:23
